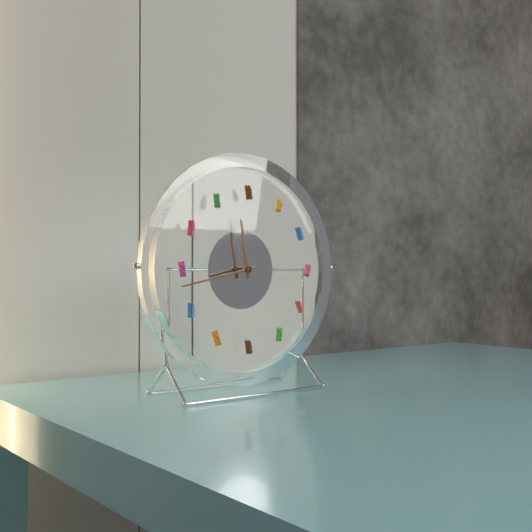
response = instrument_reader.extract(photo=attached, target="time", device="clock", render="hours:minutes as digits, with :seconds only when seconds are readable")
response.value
11:43
